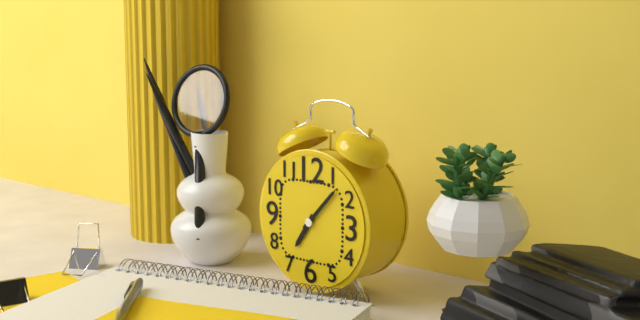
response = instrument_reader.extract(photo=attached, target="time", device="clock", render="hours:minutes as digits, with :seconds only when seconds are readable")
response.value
7:07
